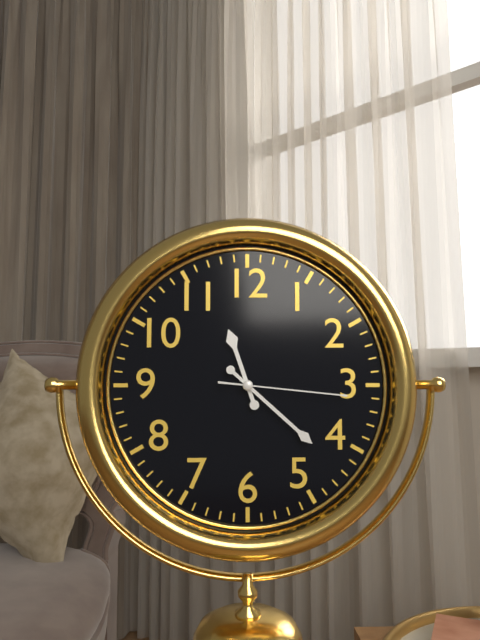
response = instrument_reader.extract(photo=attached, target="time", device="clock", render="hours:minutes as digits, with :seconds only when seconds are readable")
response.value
11:22:16
